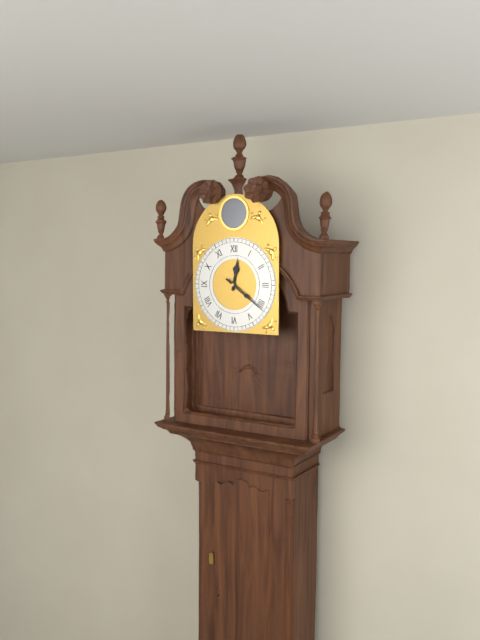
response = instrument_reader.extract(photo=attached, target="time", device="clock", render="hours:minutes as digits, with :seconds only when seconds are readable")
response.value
12:21
